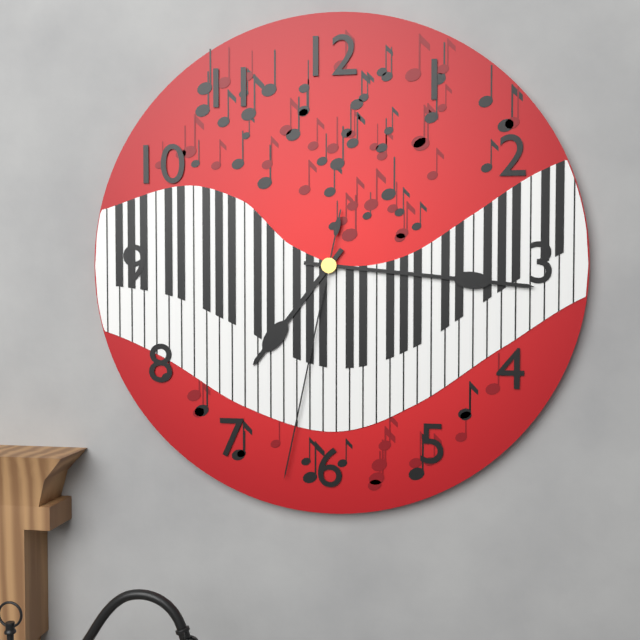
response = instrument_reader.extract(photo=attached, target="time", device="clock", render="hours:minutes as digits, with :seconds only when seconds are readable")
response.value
7:16:32
